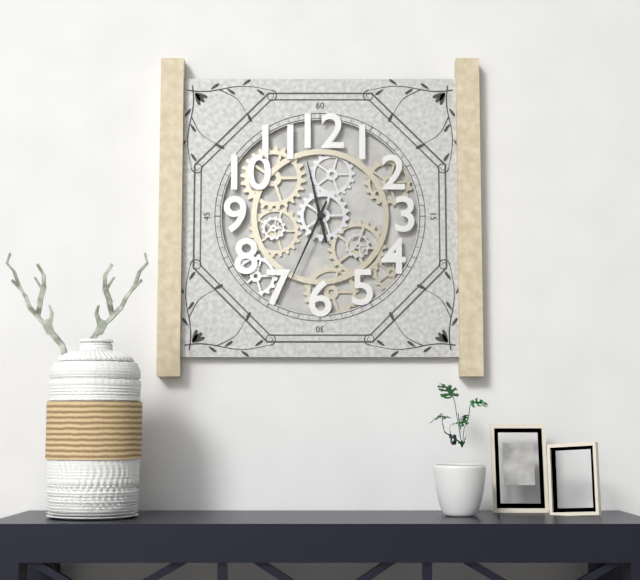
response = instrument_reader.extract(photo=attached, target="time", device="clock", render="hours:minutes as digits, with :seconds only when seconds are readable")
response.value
11:34
